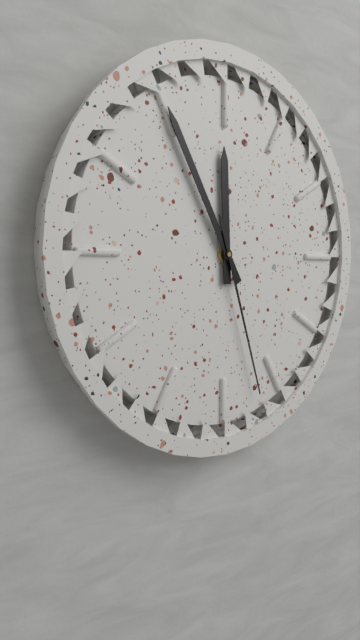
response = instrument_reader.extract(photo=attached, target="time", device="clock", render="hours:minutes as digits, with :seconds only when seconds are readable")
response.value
11:55:27
